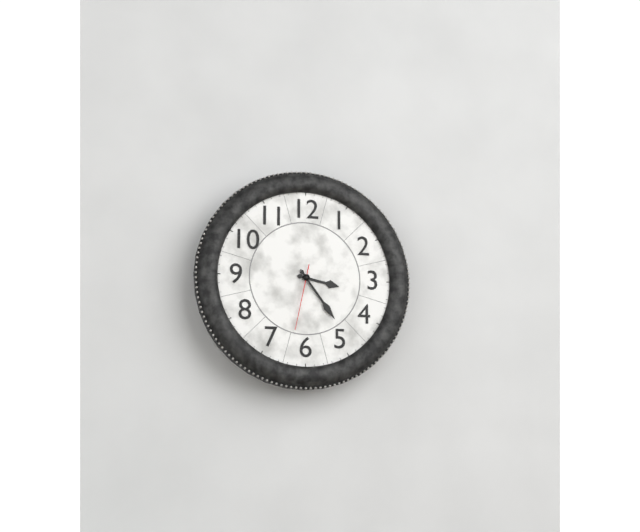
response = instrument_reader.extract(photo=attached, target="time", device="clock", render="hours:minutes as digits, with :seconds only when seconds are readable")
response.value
3:24:32
